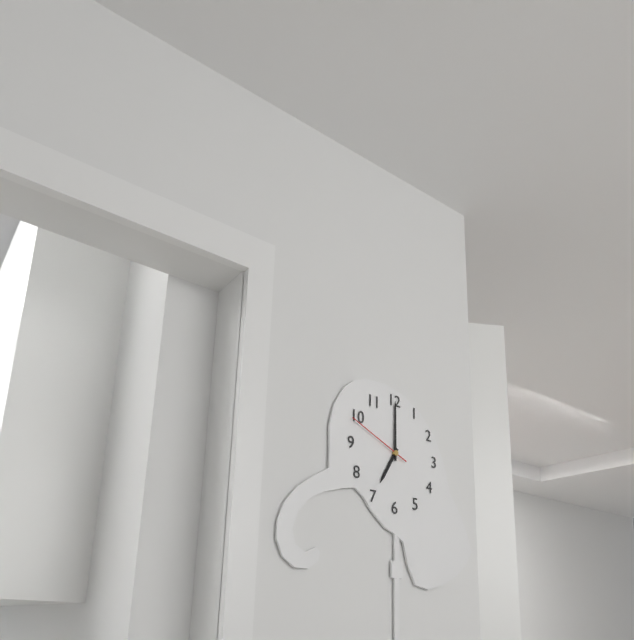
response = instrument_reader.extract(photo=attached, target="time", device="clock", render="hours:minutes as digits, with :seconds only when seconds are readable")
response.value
7:00:49
